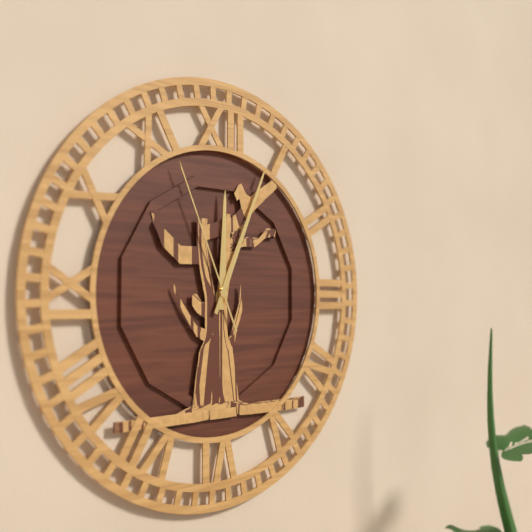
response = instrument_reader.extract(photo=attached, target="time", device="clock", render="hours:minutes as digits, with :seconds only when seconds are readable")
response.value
12:04:56
